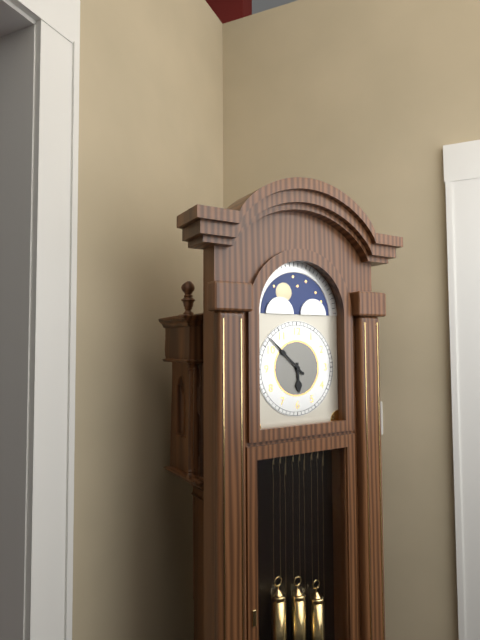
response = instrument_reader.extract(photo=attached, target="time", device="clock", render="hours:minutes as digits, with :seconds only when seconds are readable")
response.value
5:52
